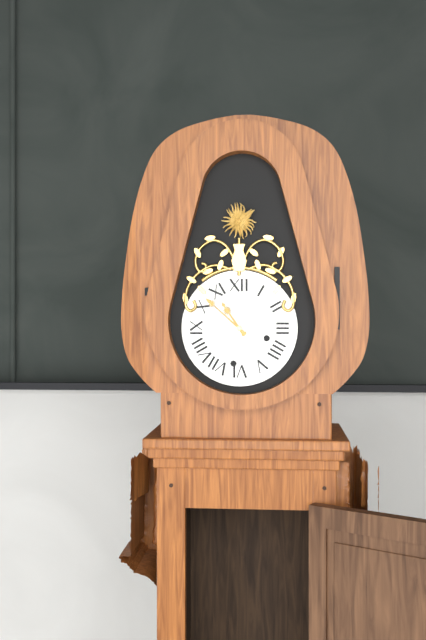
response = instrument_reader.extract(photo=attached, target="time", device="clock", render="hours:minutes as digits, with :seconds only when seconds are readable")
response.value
10:52
